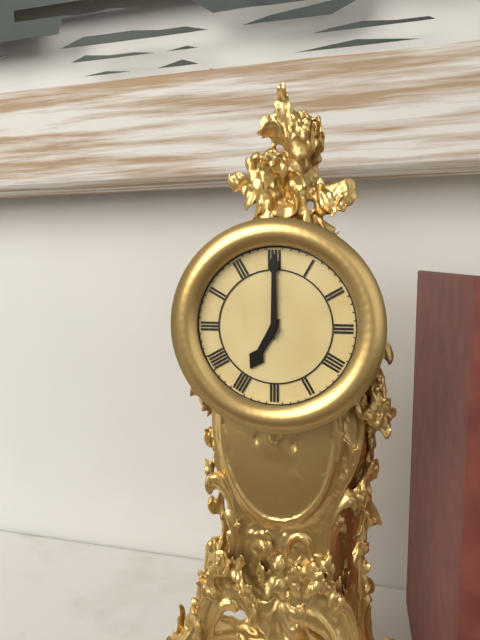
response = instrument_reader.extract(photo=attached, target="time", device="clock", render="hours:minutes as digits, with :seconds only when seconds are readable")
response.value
7:00
